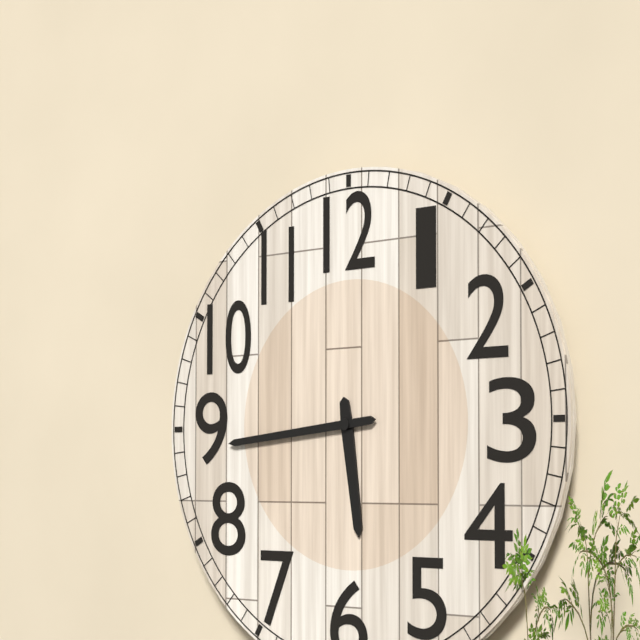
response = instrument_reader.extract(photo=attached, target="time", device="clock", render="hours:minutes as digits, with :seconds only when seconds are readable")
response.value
5:44
